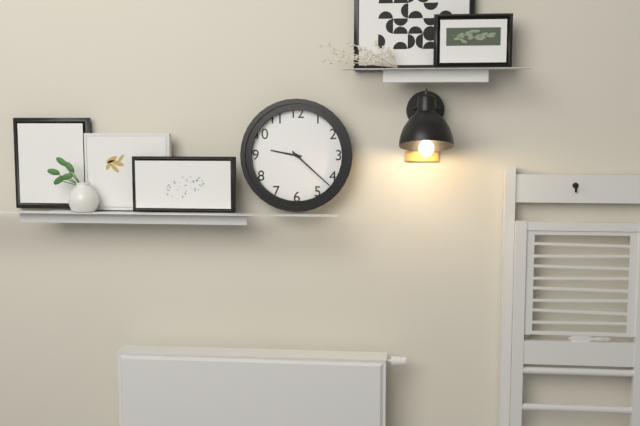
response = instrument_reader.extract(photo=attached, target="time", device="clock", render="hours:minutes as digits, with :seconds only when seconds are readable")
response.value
9:22
